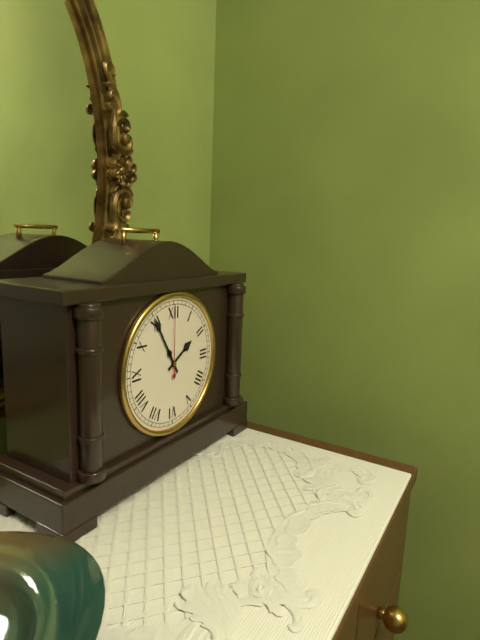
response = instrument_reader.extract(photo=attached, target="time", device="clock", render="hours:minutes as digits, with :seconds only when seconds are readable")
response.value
1:55:00
